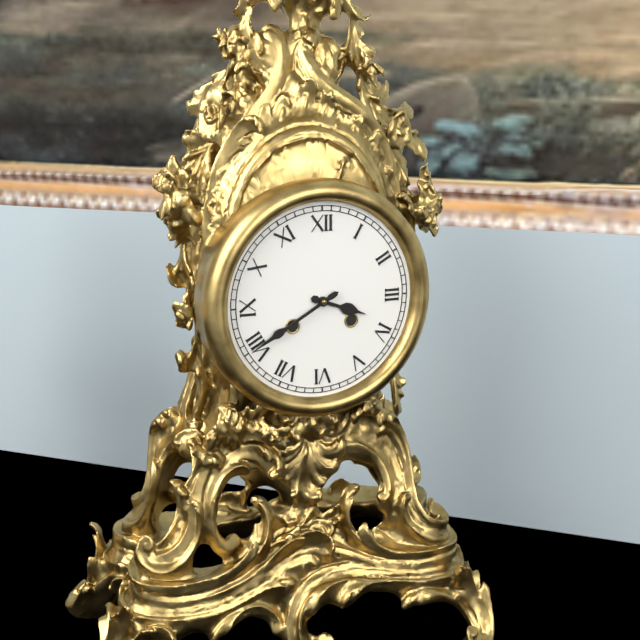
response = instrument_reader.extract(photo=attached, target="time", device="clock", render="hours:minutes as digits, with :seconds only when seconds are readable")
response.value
3:40
